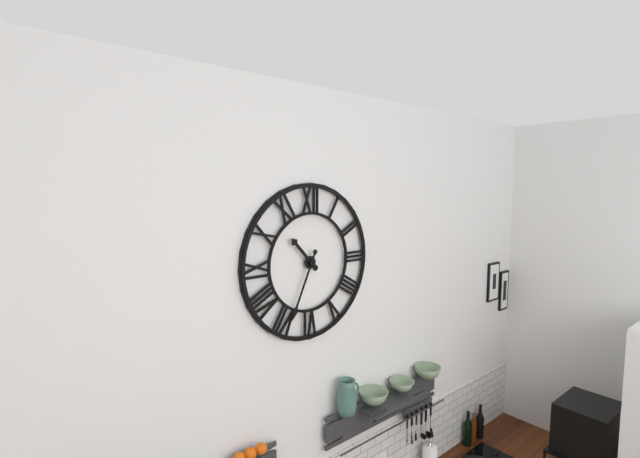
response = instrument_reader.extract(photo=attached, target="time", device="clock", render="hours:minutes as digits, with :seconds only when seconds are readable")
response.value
10:34
